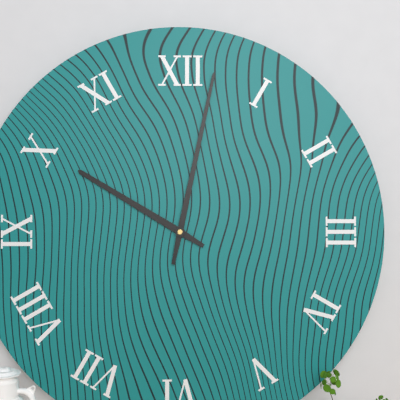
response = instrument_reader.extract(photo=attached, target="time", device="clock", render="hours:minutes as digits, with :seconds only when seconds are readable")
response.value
10:02
